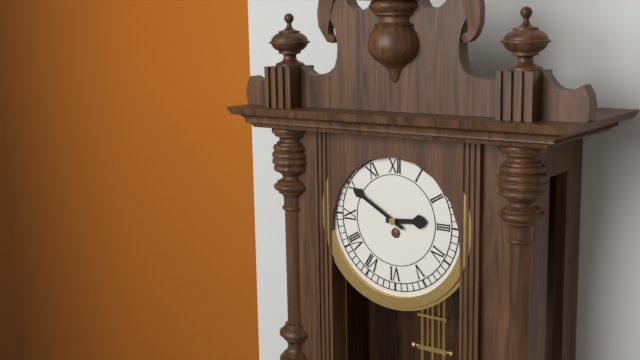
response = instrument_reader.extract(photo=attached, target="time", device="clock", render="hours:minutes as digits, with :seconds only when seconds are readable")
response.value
2:50
